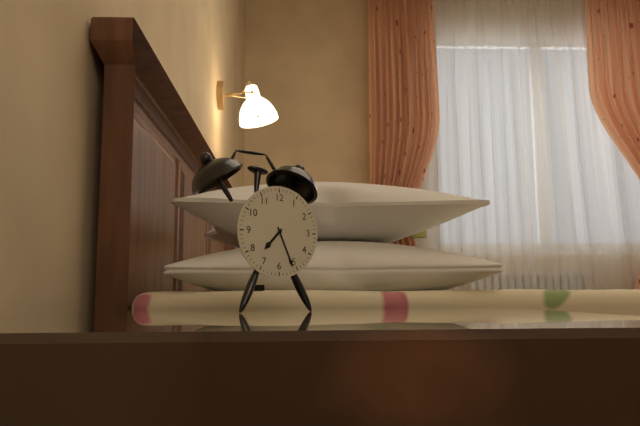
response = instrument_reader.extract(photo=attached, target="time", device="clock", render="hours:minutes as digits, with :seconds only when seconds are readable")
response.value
7:26
